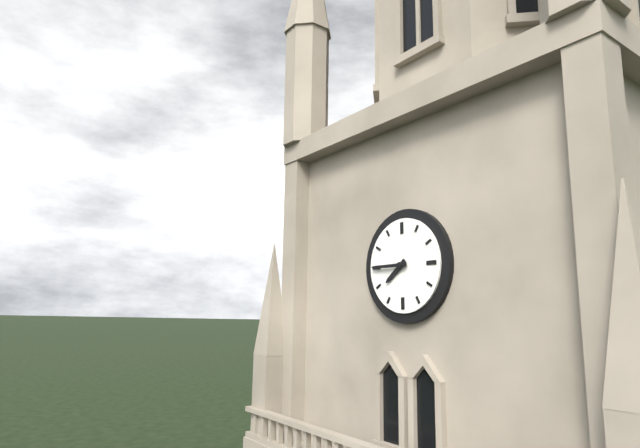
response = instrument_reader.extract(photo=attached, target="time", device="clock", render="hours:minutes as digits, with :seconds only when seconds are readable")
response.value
7:45
